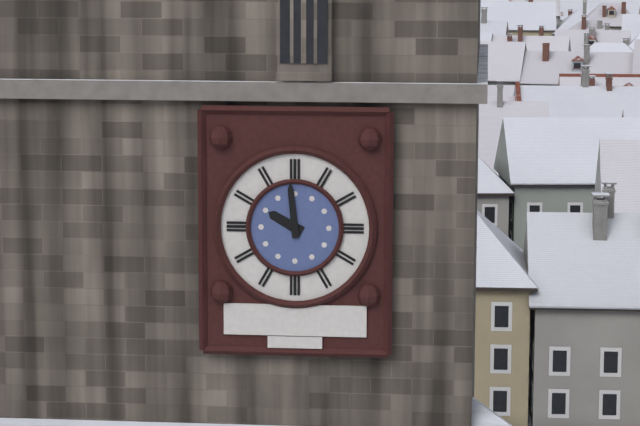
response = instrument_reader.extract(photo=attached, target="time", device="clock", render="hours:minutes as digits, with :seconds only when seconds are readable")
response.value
9:59
